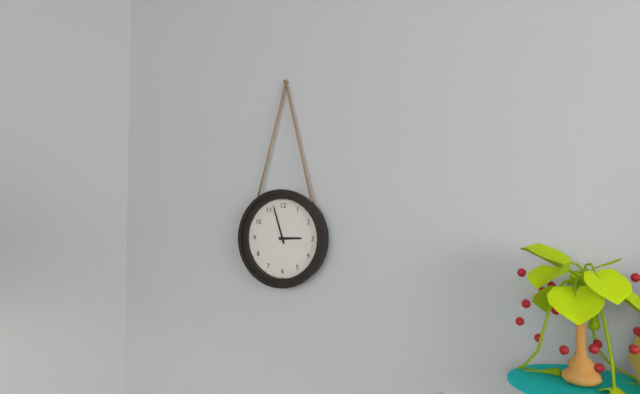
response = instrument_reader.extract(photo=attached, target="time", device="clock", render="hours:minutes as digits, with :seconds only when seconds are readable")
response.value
2:57
